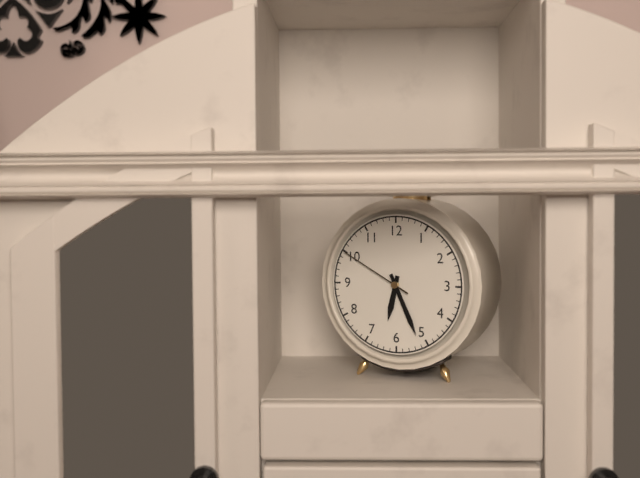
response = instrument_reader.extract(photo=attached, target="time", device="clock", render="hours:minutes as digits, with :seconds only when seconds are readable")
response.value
6:26:50
